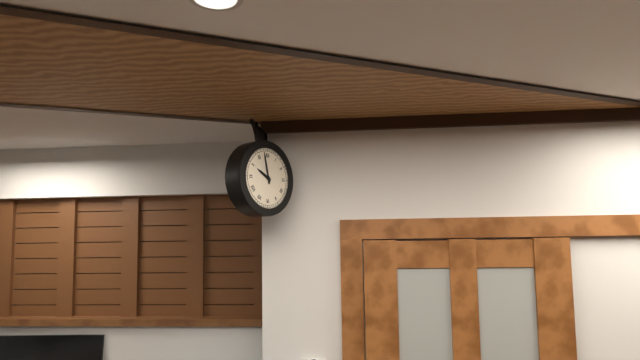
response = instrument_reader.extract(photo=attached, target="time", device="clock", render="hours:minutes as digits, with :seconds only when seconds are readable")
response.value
9:58
